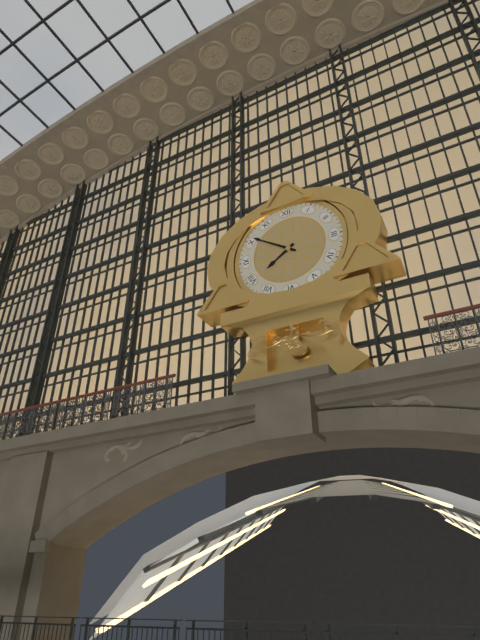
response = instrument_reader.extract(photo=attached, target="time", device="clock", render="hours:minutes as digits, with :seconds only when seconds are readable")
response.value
7:51
